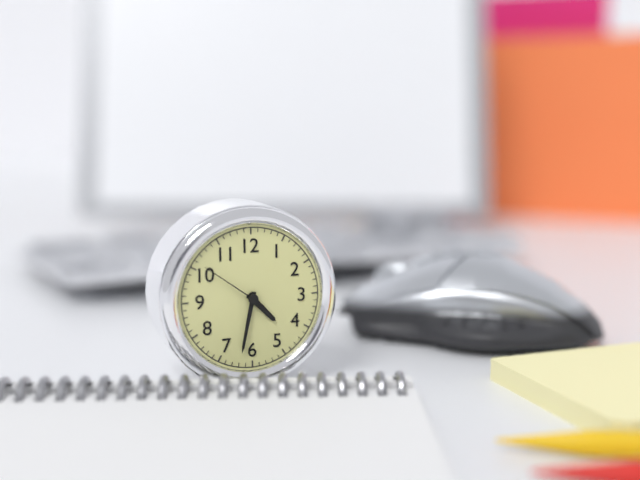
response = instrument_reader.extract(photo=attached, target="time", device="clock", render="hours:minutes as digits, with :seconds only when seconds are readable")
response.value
4:32:51
